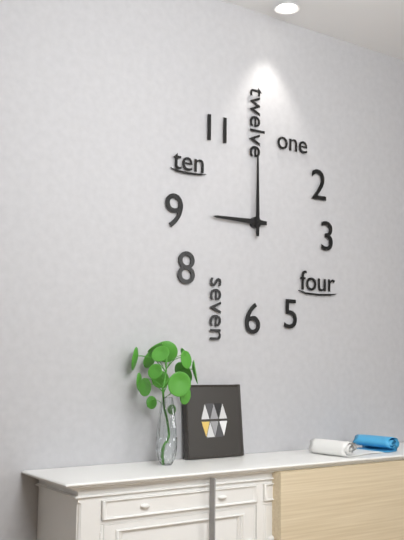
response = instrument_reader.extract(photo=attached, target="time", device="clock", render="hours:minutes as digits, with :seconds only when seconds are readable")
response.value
9:00
